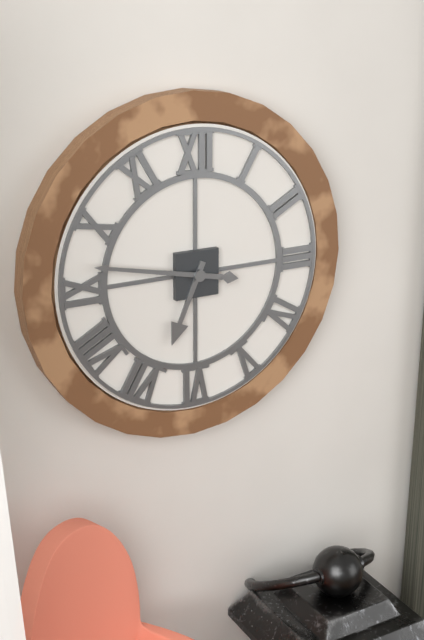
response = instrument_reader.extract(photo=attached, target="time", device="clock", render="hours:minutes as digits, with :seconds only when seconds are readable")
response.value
6:47
